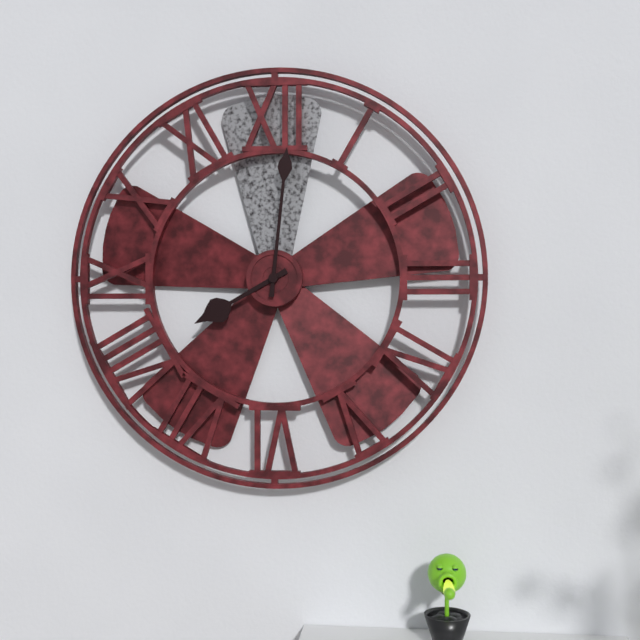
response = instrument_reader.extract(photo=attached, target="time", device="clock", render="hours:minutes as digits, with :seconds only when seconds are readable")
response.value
8:01
